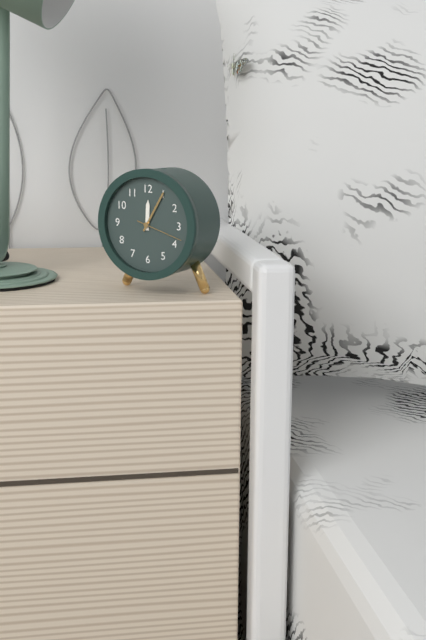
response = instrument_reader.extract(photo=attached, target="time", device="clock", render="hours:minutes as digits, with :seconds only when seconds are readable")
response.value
12:05
